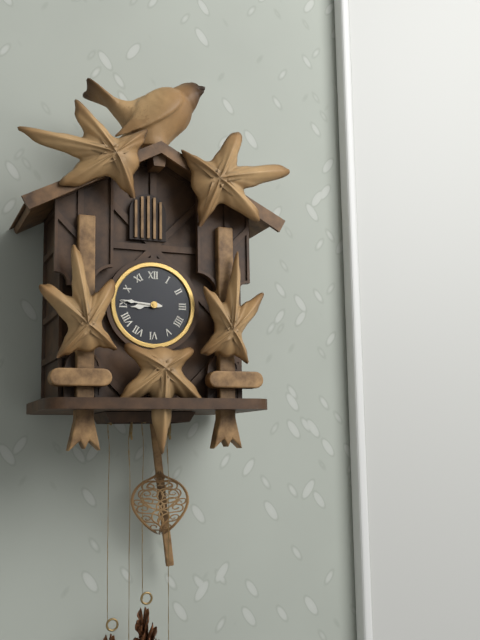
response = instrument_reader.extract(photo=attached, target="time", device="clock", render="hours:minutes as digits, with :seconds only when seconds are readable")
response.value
8:46
